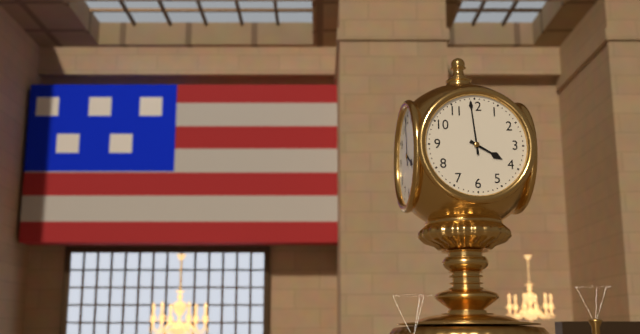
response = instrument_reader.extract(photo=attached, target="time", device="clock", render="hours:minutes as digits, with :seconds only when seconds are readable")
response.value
3:59
